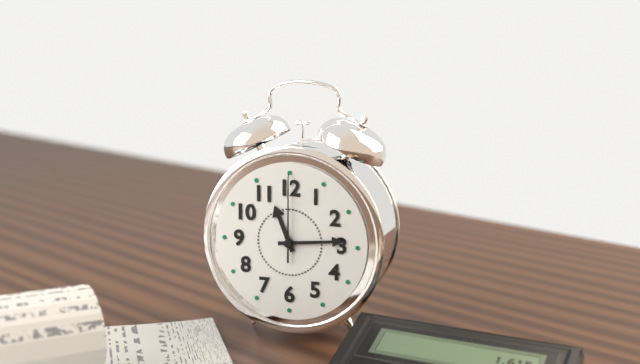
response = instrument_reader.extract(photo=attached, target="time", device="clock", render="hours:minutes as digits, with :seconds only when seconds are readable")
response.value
11:14:00
